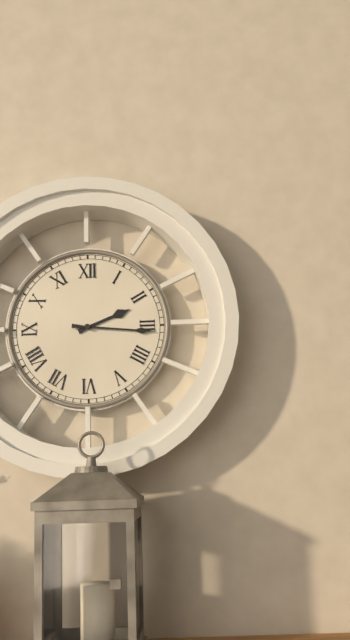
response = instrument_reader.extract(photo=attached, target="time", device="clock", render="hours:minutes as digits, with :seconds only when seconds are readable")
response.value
2:16
